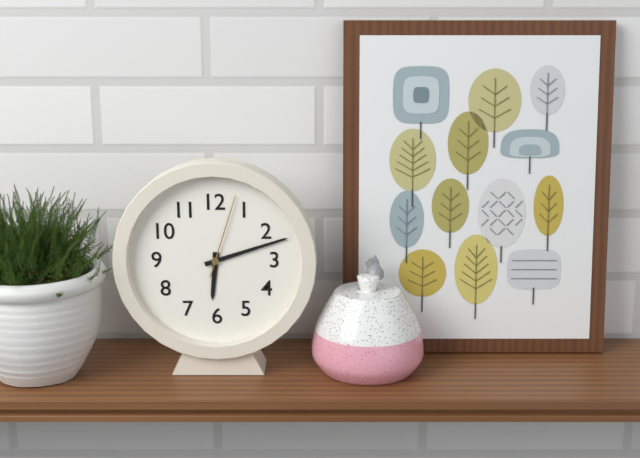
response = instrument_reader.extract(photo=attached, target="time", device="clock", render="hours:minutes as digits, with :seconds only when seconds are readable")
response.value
6:12:03
